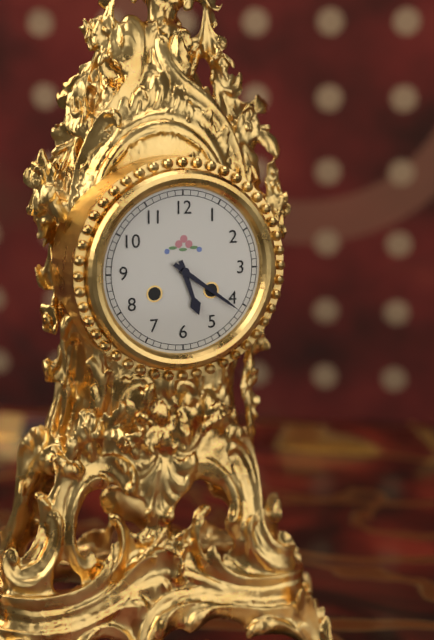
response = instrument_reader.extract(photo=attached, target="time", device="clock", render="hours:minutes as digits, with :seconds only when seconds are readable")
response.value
5:21
